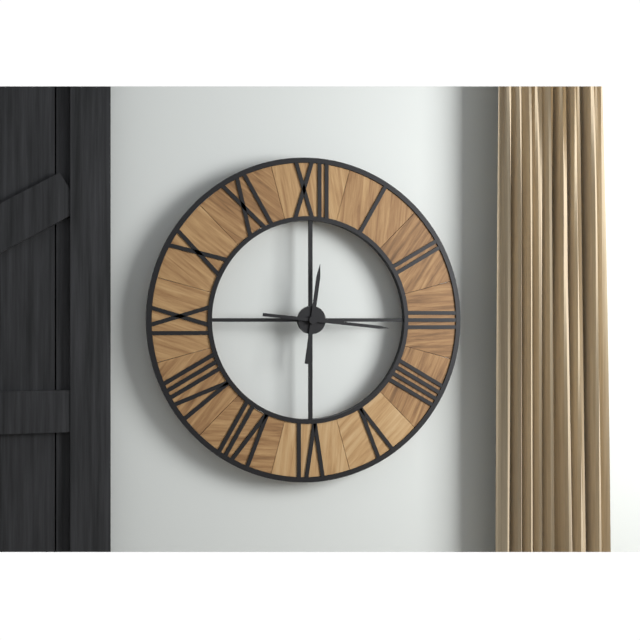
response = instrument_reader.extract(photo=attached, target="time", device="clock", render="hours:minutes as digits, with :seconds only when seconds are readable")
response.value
12:16
